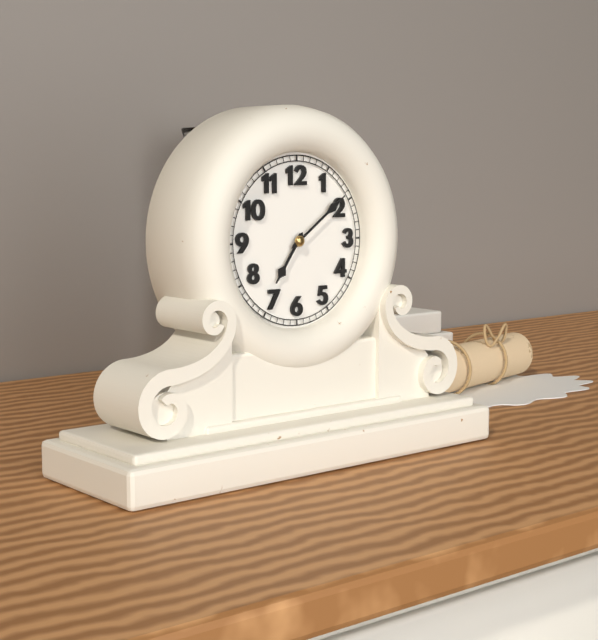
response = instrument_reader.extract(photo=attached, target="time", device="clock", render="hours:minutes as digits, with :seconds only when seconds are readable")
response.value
7:09
